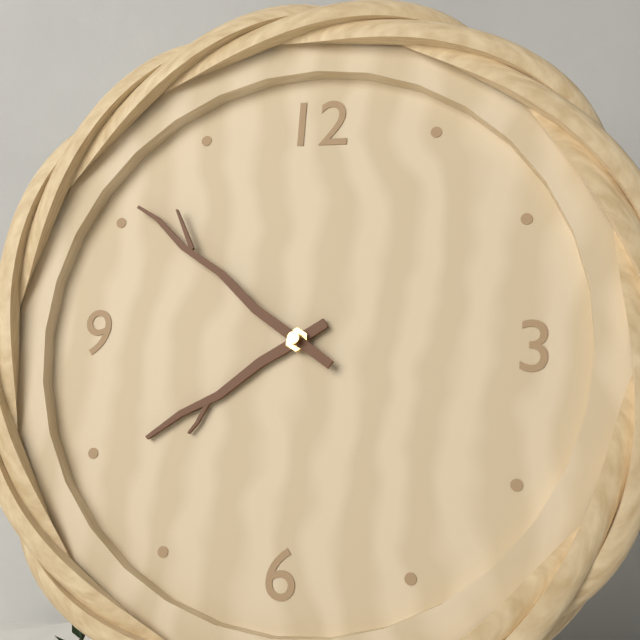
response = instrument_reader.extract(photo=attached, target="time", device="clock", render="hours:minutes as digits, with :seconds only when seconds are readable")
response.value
7:51
